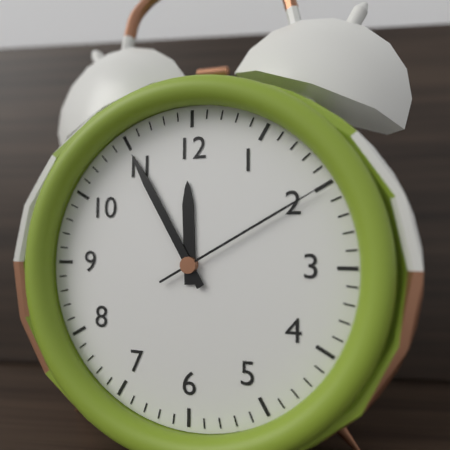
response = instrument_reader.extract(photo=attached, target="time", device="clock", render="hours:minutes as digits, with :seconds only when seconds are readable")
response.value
11:55:10
